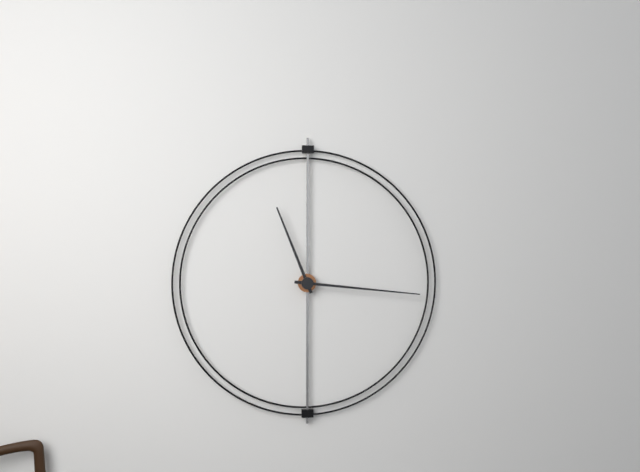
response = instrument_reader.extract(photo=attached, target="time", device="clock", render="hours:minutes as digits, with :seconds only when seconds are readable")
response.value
11:16
